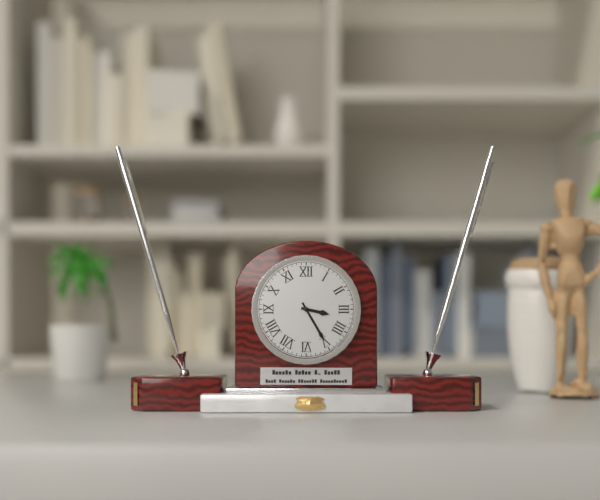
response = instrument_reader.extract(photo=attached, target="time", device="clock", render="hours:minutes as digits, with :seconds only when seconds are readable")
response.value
3:25
